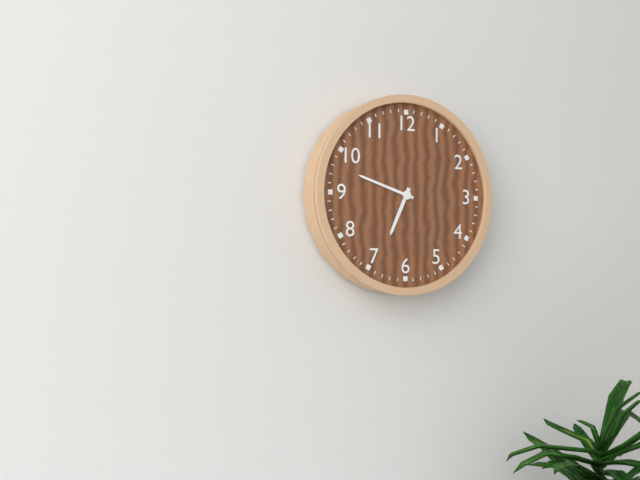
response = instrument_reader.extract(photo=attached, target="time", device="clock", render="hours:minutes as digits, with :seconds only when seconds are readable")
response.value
6:48
